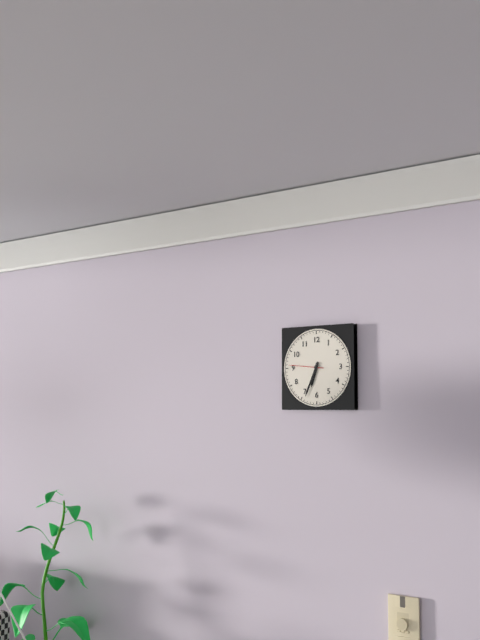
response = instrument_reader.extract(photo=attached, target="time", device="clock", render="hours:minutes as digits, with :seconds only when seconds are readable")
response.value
6:34
